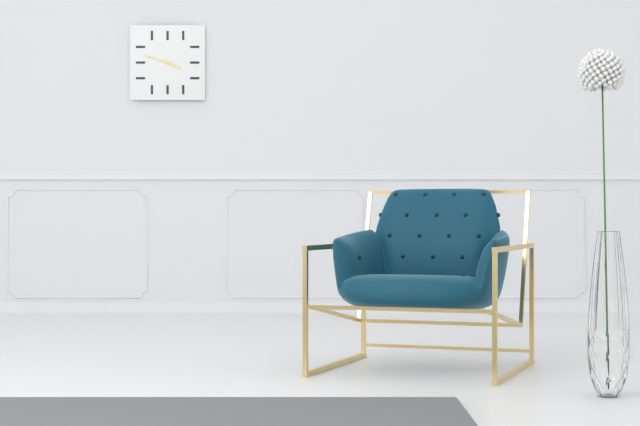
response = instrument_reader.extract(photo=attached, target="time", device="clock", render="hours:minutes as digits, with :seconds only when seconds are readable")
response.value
3:48
